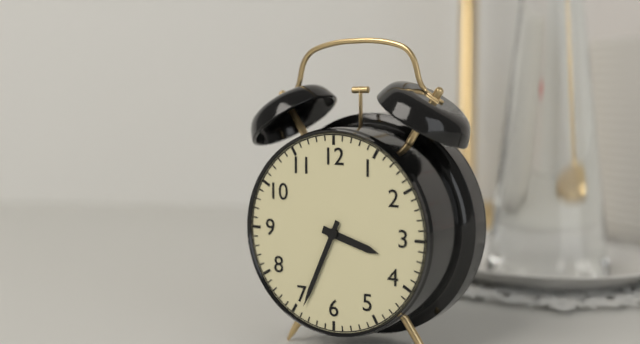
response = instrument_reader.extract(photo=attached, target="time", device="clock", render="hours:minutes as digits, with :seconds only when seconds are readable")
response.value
3:34
